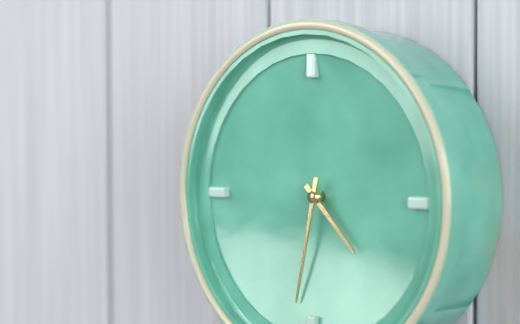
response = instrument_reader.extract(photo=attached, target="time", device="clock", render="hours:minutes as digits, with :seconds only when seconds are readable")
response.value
4:32
